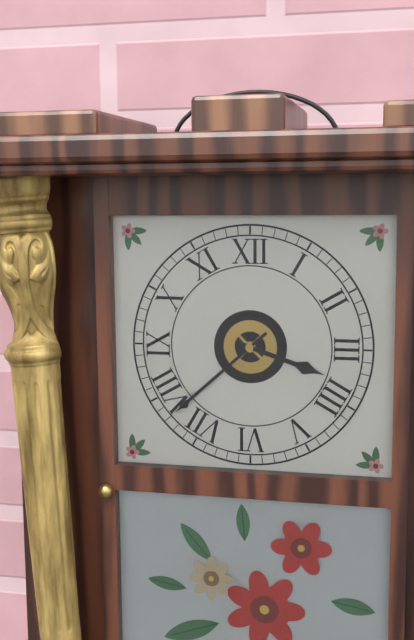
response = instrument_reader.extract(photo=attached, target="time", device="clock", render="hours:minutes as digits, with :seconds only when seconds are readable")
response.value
3:38
